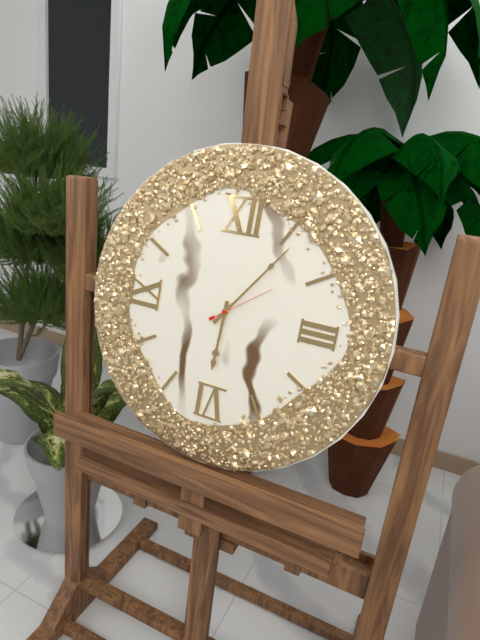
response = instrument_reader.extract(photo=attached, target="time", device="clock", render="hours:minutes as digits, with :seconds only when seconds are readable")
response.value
6:06:09
